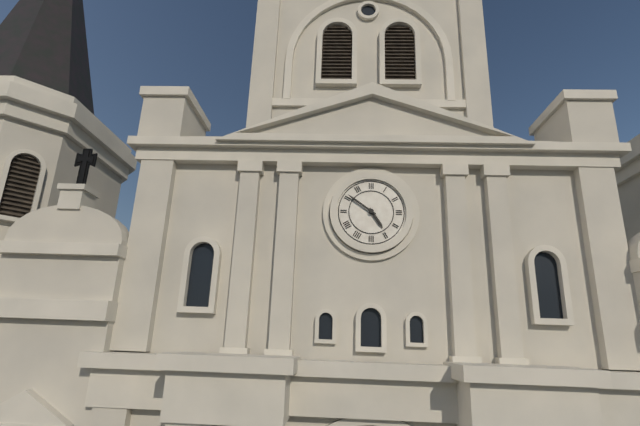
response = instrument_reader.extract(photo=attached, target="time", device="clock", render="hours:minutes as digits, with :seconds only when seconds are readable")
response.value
4:51
